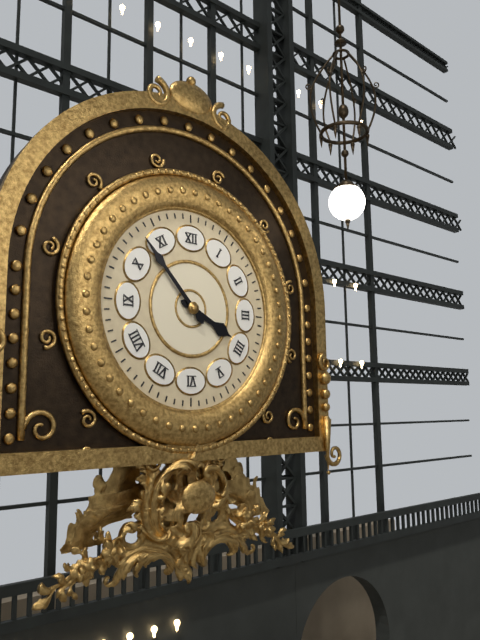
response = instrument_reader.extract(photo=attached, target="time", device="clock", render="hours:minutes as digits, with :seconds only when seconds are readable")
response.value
3:53
